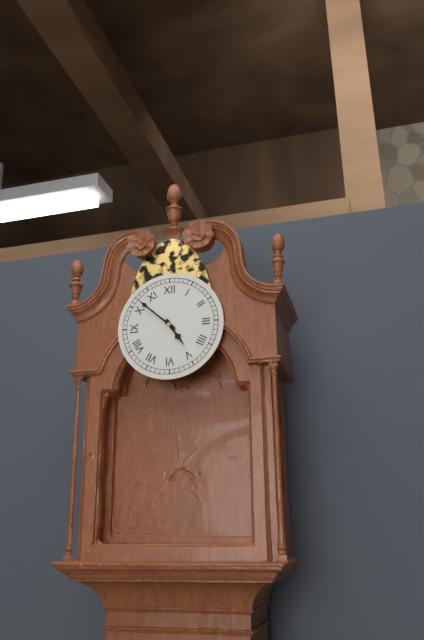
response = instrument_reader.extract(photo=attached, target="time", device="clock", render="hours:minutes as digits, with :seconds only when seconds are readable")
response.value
4:52
